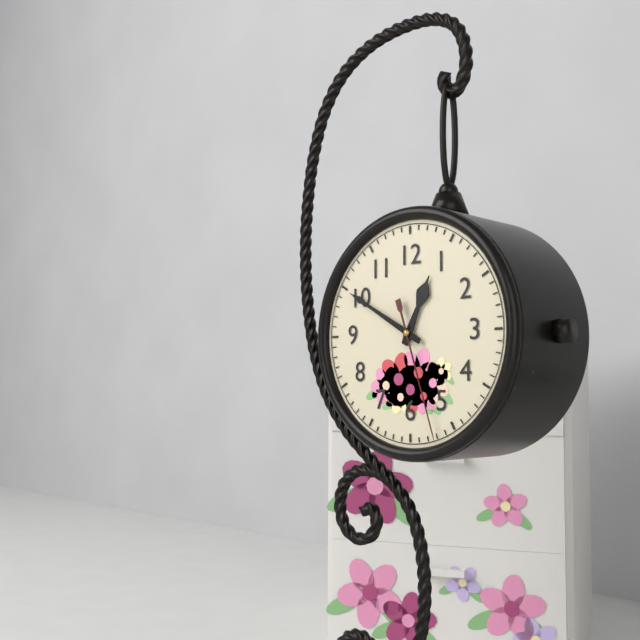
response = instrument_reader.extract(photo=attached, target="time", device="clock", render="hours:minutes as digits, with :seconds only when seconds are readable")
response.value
12:50:27
